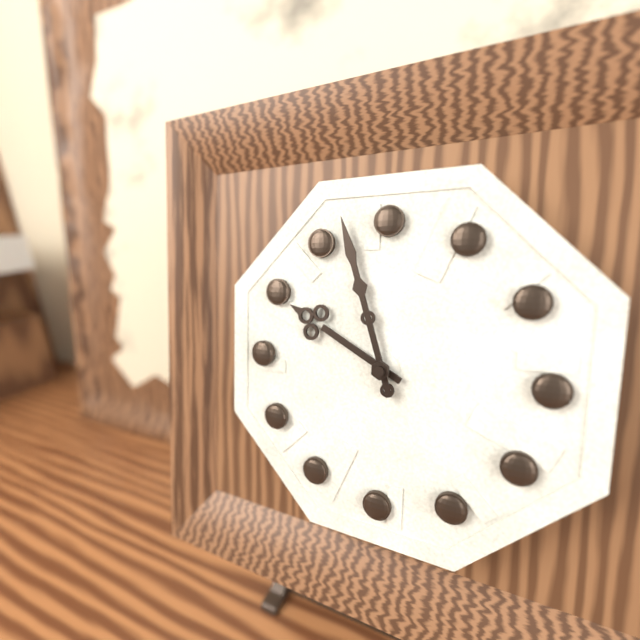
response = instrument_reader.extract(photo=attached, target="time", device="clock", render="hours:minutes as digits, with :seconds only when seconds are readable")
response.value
9:57
